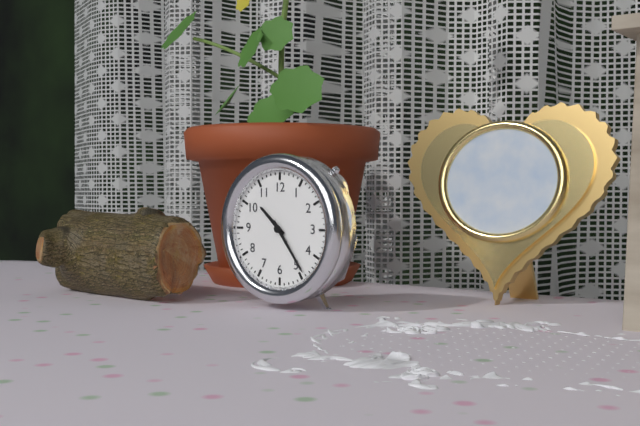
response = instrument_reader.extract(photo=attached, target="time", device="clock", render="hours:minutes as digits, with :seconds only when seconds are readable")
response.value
10:24
